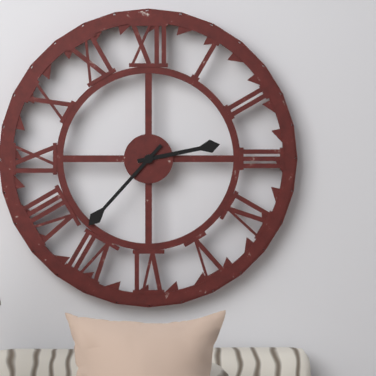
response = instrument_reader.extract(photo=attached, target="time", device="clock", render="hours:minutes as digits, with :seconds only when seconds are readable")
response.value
2:37
